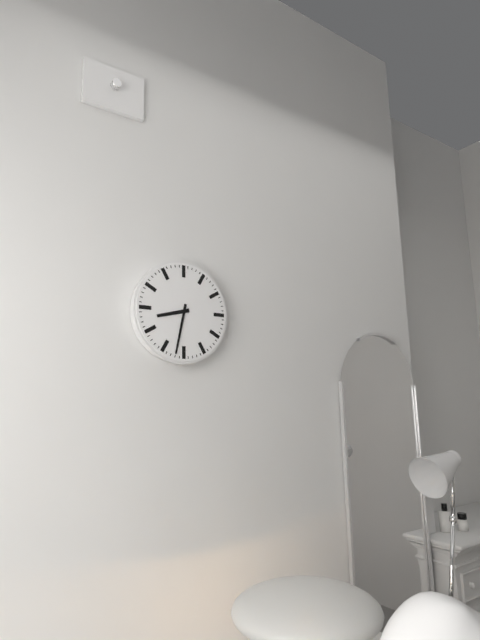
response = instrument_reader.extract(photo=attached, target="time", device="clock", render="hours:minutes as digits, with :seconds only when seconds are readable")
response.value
8:32
